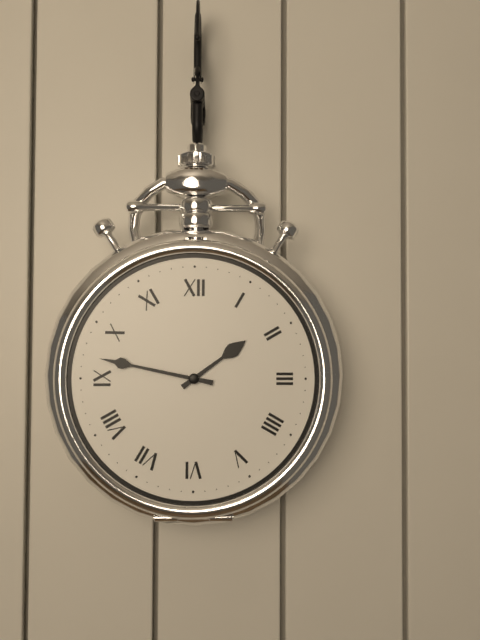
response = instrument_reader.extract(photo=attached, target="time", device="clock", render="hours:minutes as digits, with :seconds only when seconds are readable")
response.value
1:47
